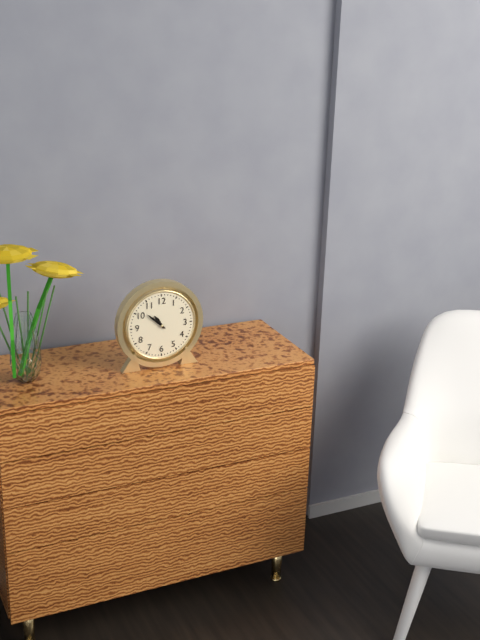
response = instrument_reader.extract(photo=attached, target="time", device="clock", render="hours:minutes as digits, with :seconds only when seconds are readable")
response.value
10:52
